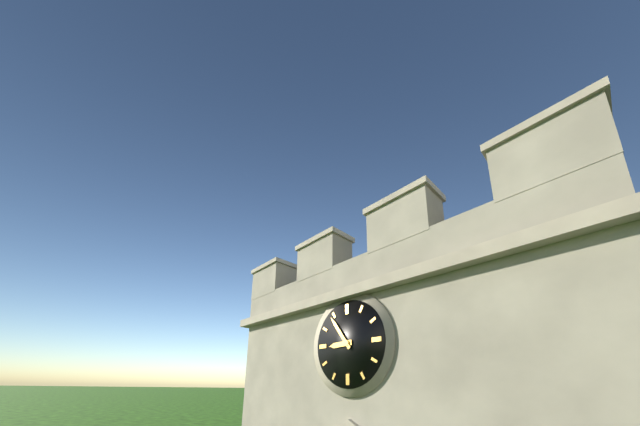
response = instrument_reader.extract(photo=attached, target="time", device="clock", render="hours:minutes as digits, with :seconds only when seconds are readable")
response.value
8:54
